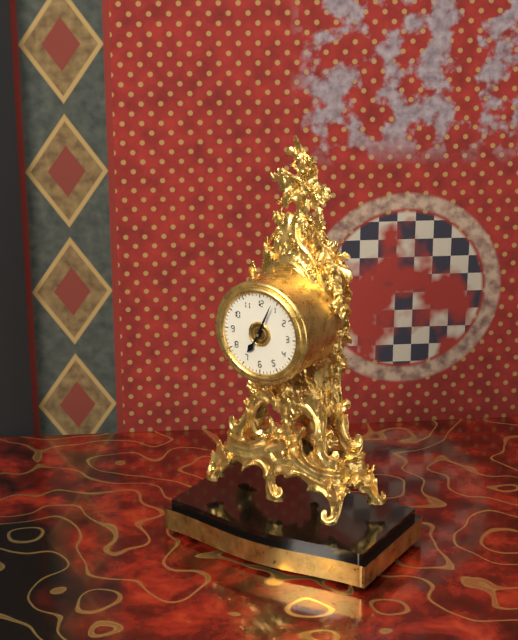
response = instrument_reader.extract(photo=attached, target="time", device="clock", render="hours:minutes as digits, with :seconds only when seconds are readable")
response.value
7:04
